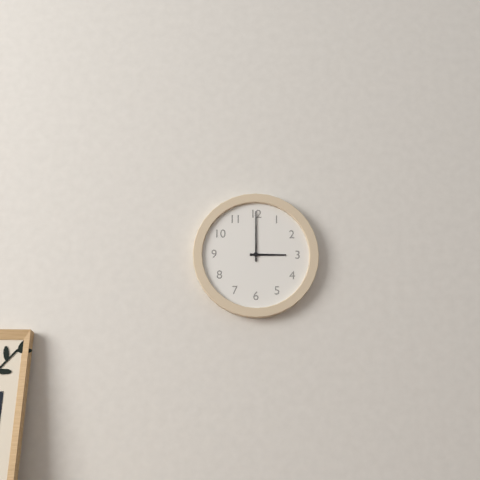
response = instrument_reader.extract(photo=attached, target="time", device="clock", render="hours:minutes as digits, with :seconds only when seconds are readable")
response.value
3:00
